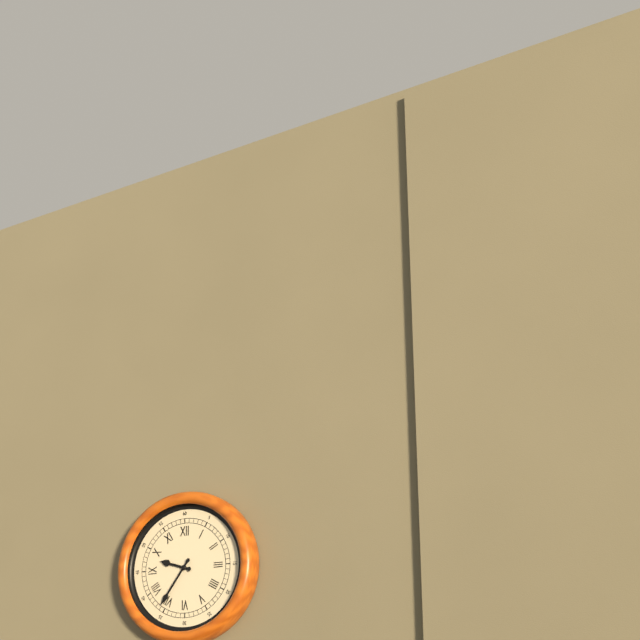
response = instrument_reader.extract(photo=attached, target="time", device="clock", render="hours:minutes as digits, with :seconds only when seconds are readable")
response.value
9:36
